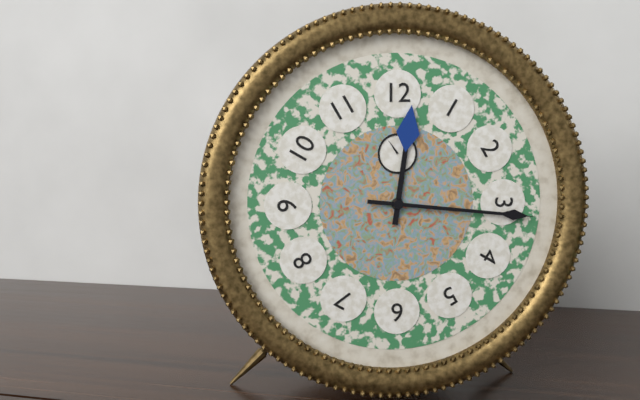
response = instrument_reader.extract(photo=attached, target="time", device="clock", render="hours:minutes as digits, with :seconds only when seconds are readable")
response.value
12:16
